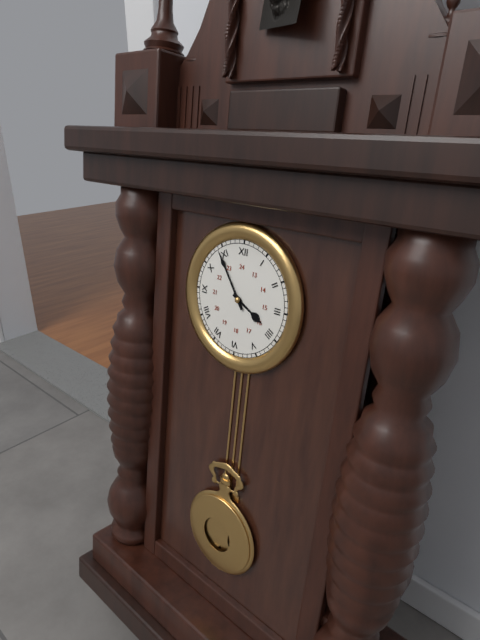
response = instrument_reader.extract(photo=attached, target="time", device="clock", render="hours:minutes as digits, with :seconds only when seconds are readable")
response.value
3:54
